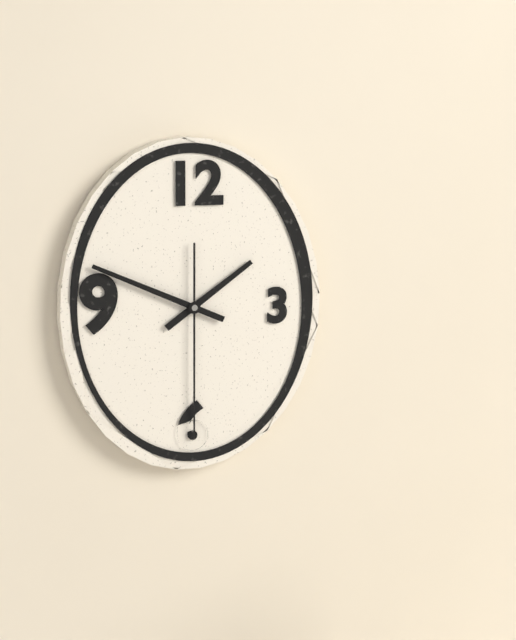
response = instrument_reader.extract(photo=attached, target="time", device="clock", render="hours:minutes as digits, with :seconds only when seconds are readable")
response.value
1:49:30
